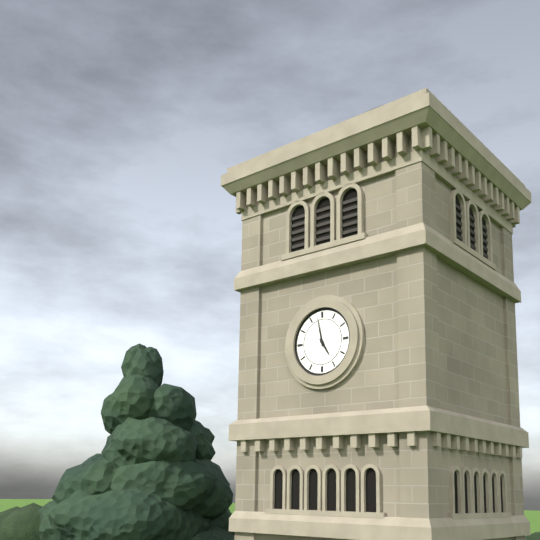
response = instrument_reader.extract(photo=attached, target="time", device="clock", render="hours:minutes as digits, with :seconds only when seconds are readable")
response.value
4:58
